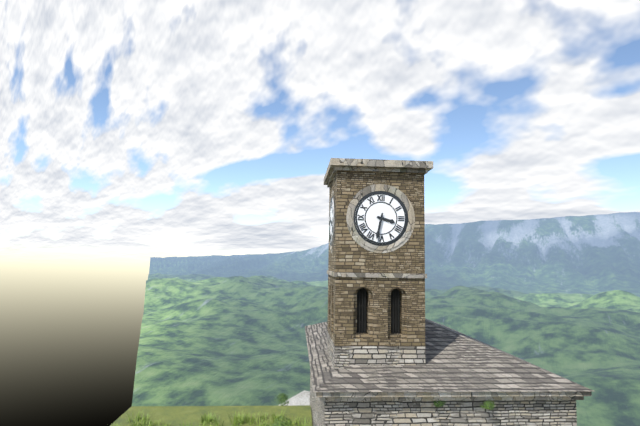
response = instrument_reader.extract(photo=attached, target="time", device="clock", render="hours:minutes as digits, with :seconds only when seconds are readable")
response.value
3:32
